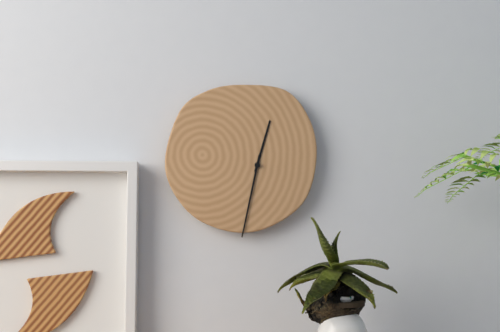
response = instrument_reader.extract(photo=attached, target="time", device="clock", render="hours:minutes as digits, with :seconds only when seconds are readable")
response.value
12:32
